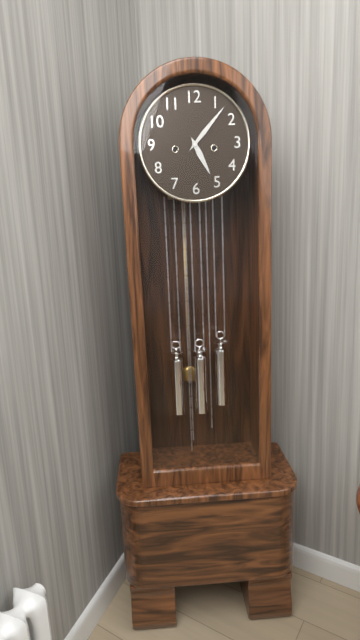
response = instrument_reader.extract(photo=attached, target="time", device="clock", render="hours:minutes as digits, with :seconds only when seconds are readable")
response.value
5:07
